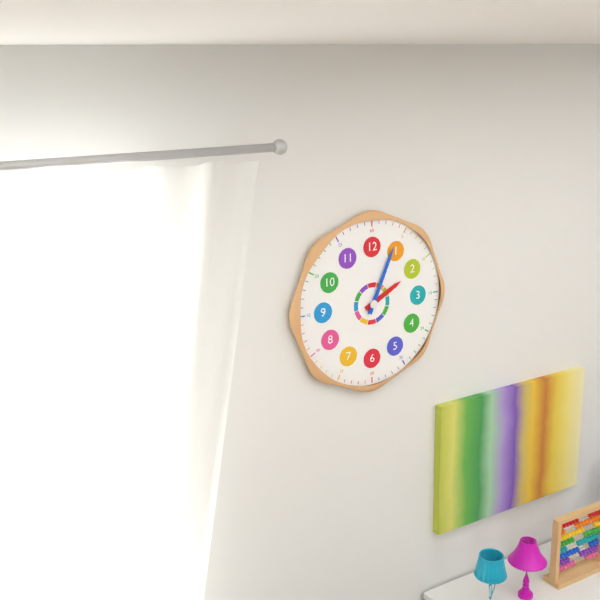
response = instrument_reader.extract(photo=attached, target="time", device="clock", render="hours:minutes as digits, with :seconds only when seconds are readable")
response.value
2:04
